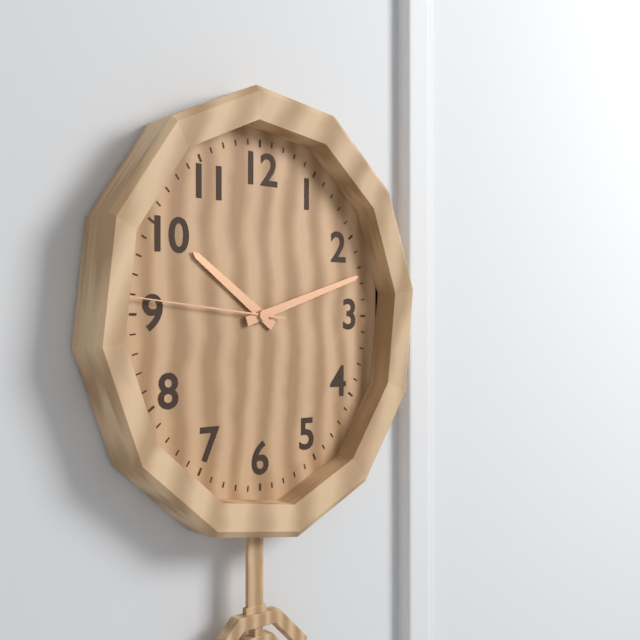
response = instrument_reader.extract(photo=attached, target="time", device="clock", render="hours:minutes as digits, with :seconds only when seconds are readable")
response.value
10:12:46
